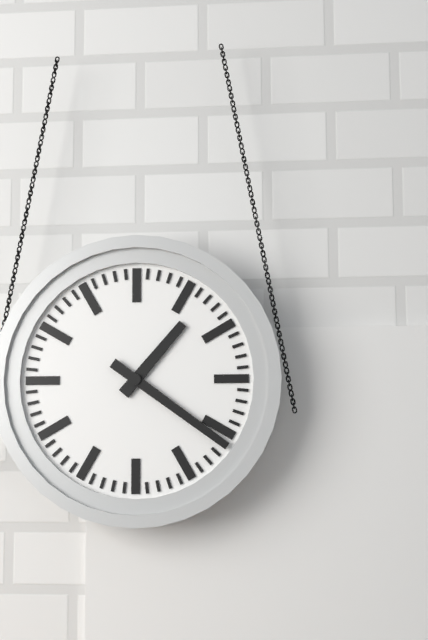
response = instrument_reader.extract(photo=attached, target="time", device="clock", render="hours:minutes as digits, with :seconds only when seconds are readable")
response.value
1:21
